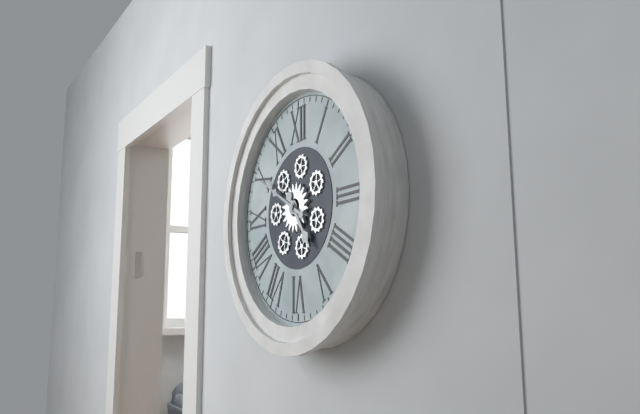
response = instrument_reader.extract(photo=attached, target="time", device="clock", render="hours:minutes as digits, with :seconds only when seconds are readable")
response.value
4:50
